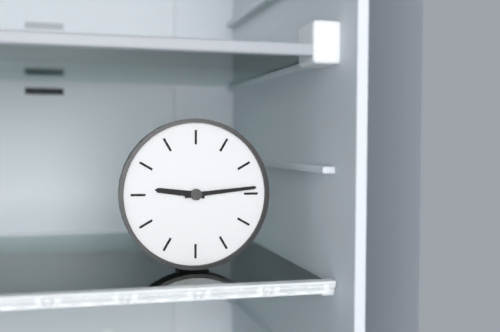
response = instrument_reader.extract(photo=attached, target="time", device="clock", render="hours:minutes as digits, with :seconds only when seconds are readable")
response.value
9:14
